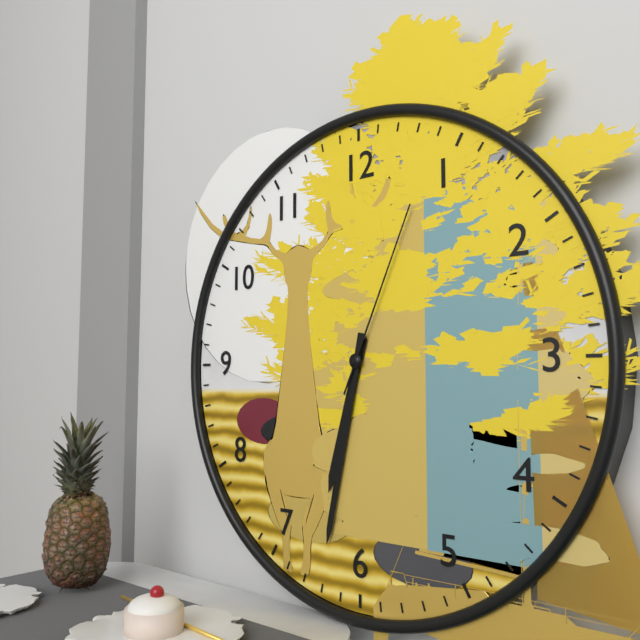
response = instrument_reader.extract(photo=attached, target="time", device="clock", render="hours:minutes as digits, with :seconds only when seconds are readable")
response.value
6:32:04
